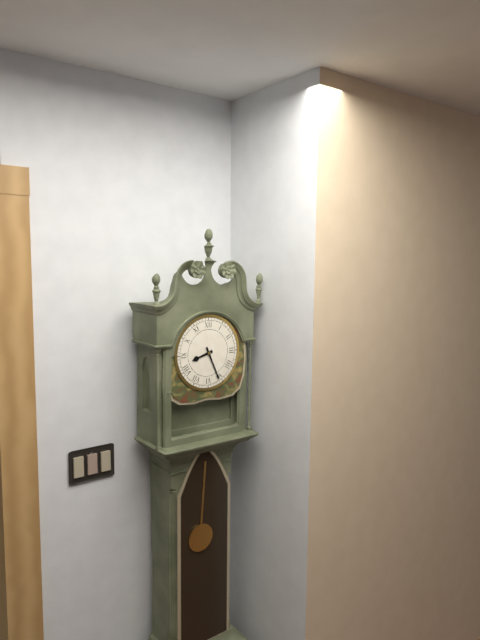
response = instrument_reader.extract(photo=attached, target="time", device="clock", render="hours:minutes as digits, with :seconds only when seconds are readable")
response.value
8:26
